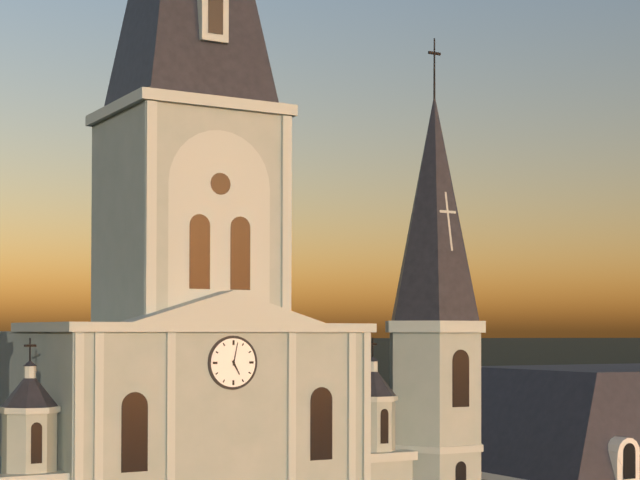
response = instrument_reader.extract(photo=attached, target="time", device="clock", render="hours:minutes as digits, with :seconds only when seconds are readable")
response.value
5:02
